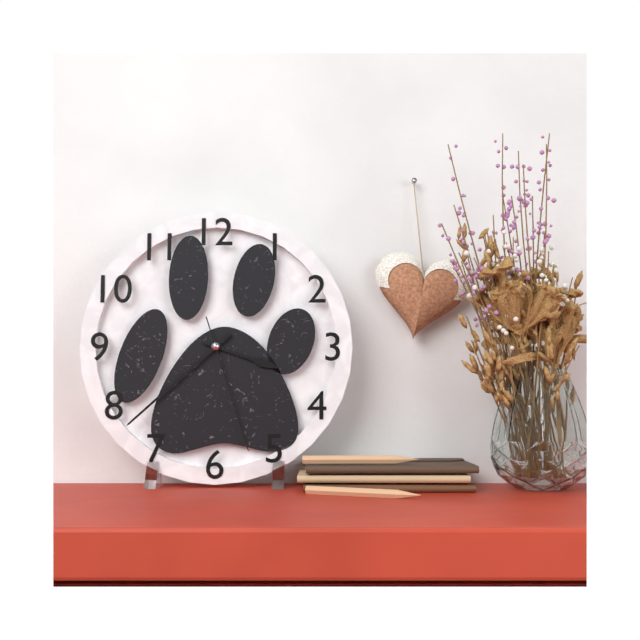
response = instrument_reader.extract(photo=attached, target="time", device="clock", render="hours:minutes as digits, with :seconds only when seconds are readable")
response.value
3:38:27
